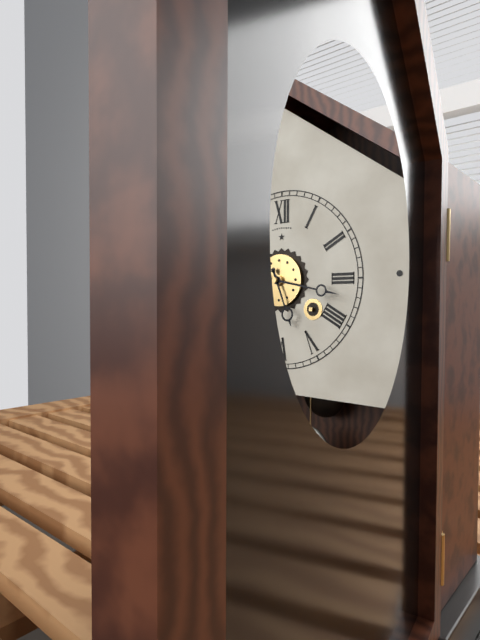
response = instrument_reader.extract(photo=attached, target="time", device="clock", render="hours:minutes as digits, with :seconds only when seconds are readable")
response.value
5:17
